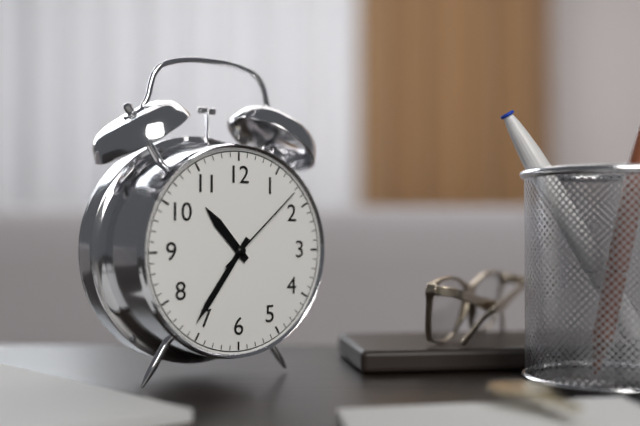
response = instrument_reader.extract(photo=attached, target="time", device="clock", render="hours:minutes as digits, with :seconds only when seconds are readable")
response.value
10:36:08
